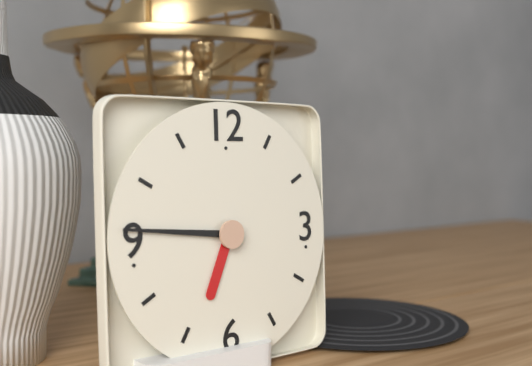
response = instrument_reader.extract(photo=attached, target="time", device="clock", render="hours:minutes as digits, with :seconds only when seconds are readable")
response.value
6:46
